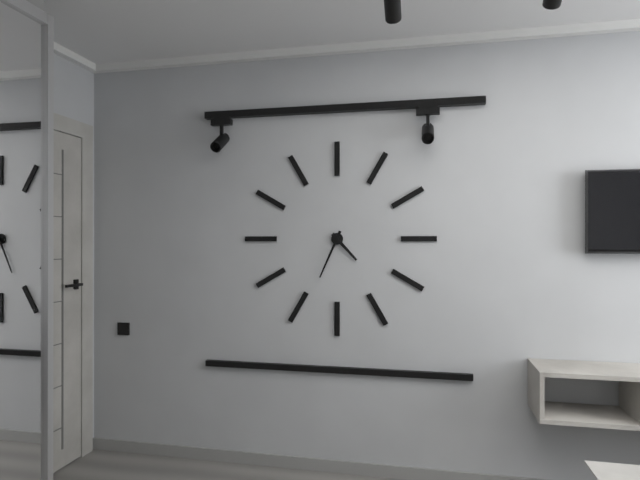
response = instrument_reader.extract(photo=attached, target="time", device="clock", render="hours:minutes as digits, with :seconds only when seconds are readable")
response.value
4:34
